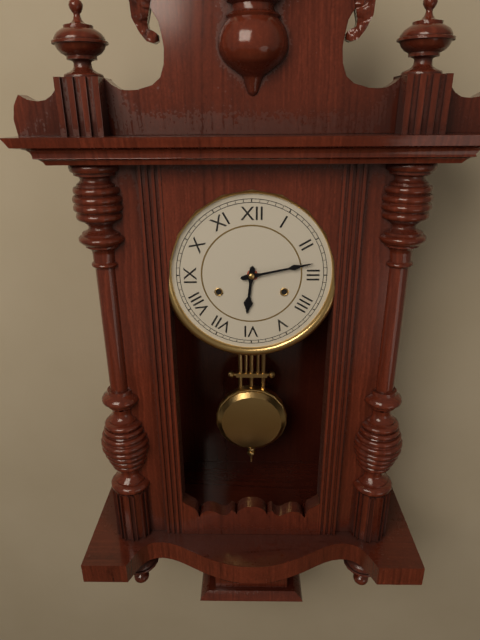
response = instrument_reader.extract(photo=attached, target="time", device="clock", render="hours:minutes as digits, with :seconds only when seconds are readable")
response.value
6:13
